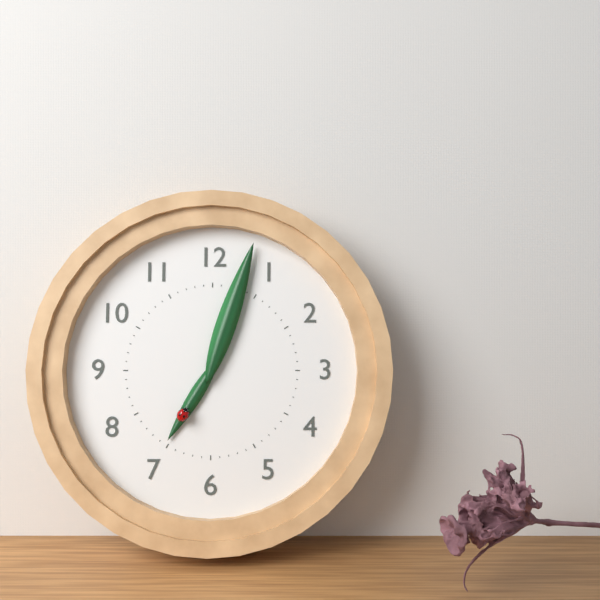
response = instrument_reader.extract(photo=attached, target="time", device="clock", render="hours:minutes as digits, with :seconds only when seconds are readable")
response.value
7:03
